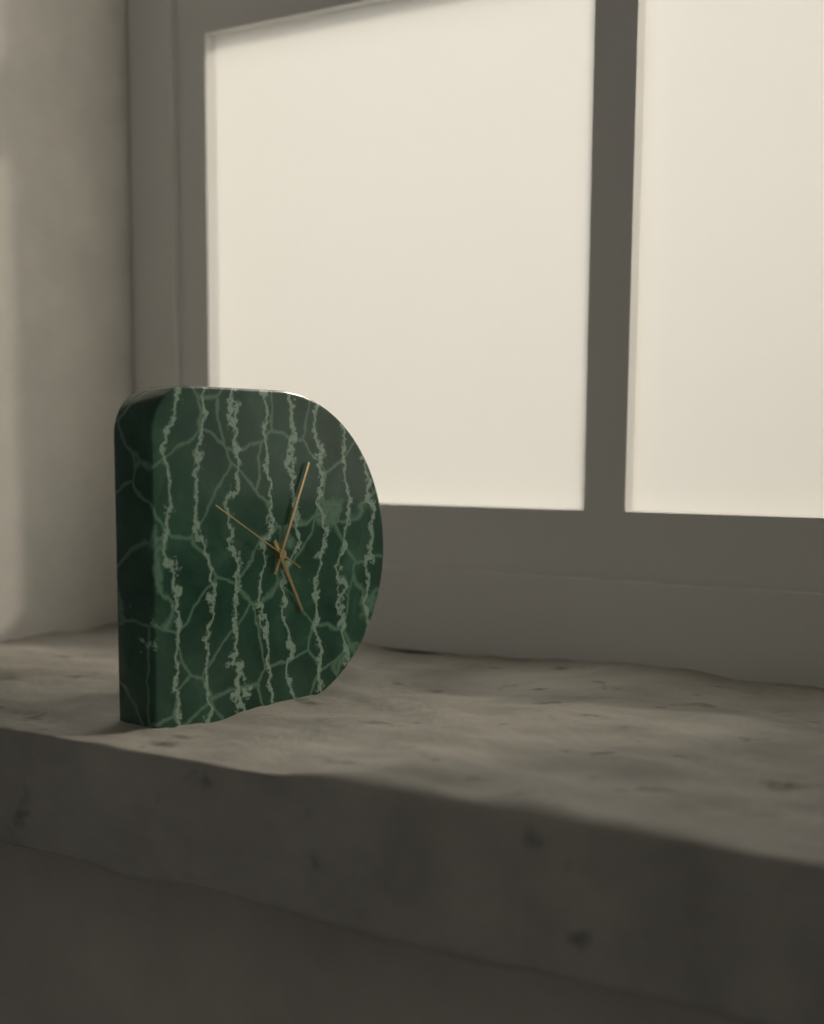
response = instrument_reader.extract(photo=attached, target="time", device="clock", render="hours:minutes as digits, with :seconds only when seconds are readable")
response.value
5:04:50
